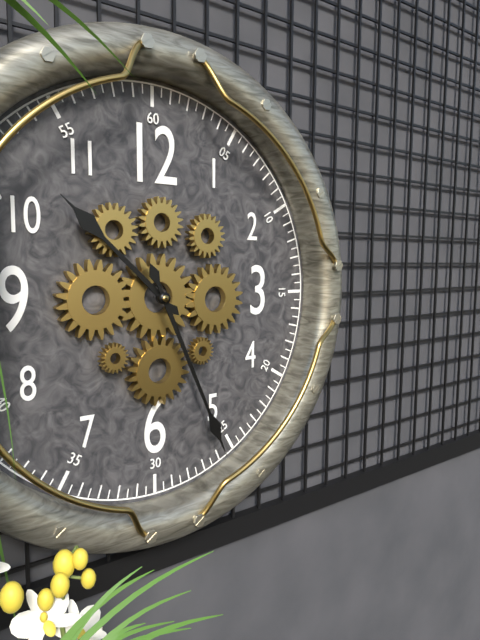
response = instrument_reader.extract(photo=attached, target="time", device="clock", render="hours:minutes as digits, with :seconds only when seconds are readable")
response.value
10:26
